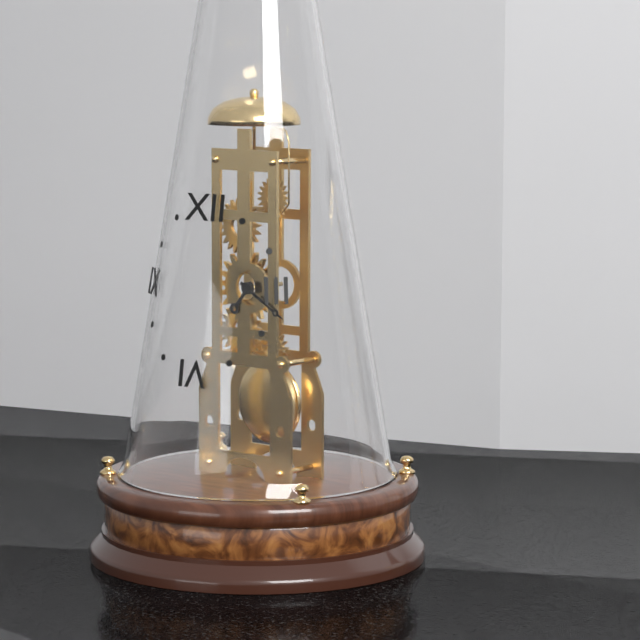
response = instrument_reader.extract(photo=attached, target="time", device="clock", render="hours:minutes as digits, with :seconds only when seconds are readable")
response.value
7:20
